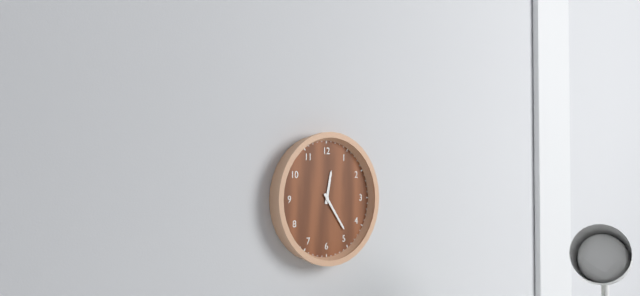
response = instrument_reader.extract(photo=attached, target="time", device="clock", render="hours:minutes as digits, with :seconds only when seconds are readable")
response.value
12:24
